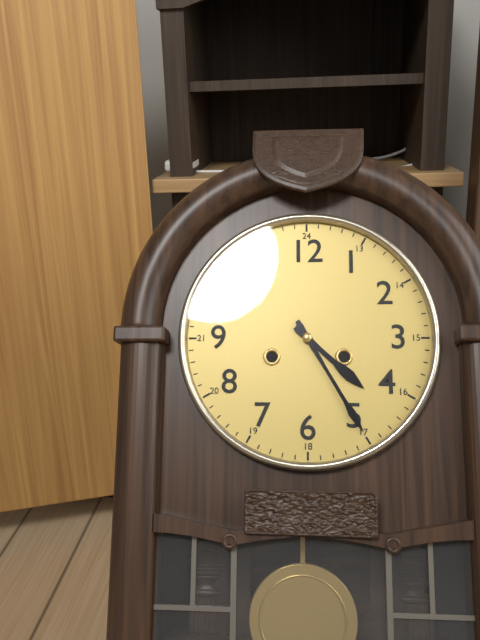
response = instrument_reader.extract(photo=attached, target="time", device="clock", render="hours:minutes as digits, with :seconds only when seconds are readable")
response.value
4:25
